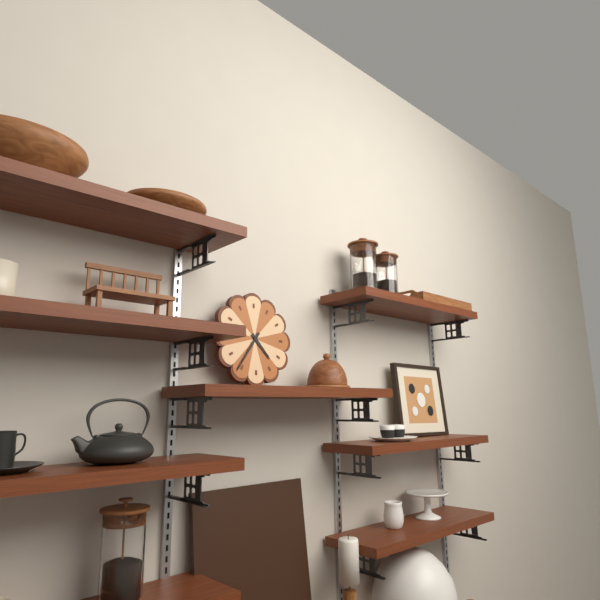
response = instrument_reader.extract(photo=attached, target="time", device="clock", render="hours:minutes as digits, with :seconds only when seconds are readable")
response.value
4:36
